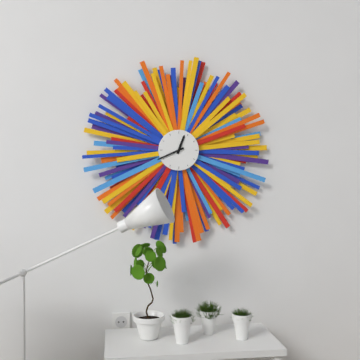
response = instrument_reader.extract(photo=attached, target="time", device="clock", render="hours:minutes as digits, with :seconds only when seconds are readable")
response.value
12:41
